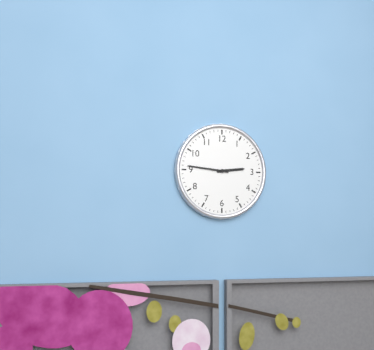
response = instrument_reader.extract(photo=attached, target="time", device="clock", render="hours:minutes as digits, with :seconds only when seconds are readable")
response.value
2:46
